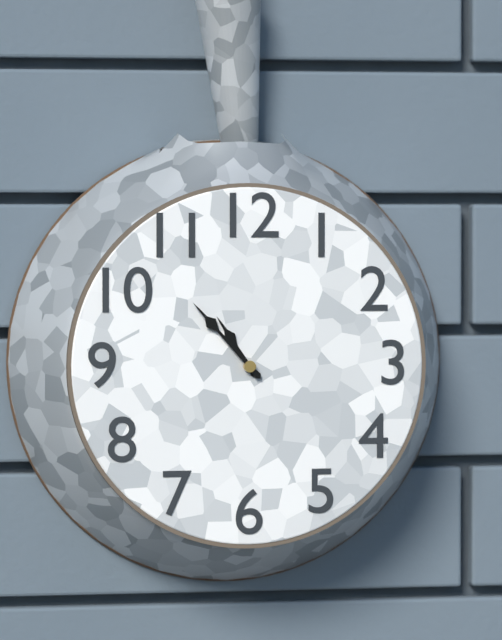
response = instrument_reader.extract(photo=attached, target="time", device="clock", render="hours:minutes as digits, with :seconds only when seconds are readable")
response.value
10:53
